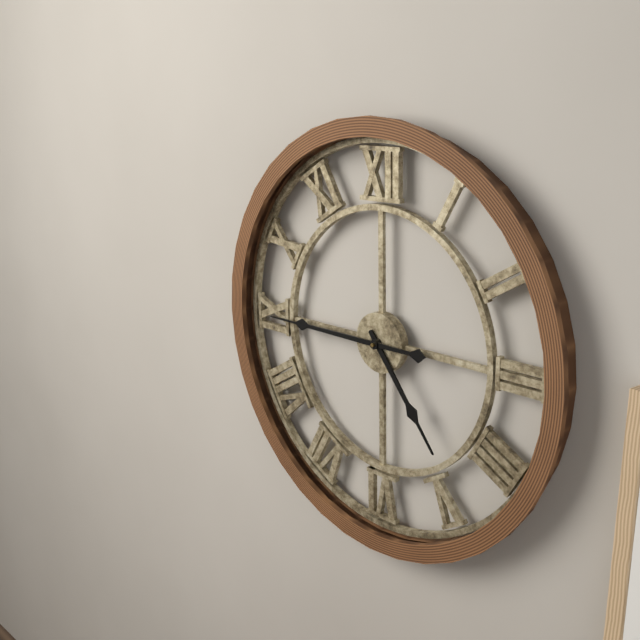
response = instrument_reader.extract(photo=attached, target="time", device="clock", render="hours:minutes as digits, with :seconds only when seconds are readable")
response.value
4:45
